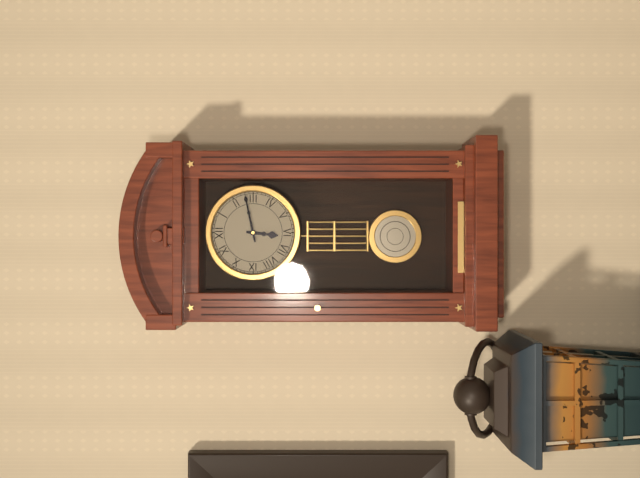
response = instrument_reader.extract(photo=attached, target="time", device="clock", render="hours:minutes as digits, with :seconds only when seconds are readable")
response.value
6:13
